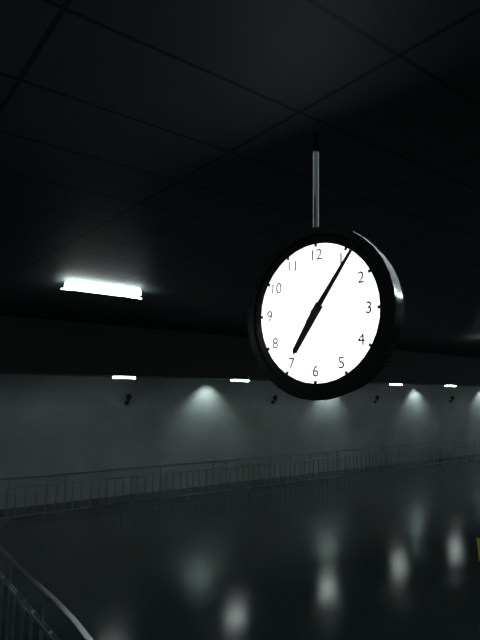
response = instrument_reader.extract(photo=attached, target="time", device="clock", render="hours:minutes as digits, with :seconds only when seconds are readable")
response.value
7:06
